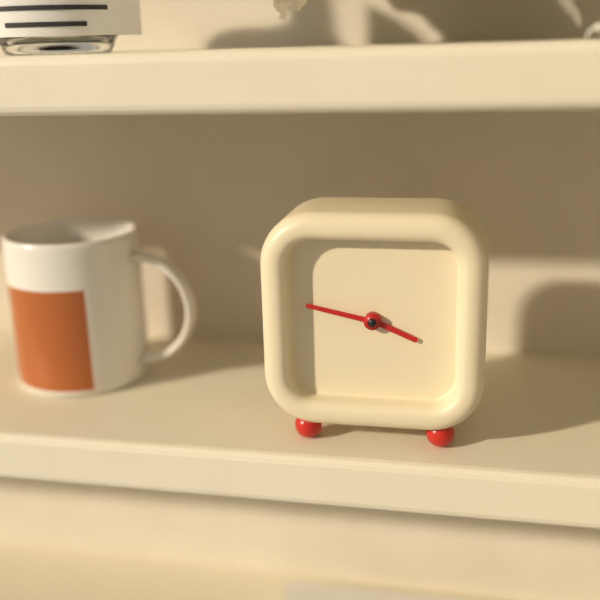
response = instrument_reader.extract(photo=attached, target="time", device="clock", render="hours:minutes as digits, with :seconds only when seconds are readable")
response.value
3:47
